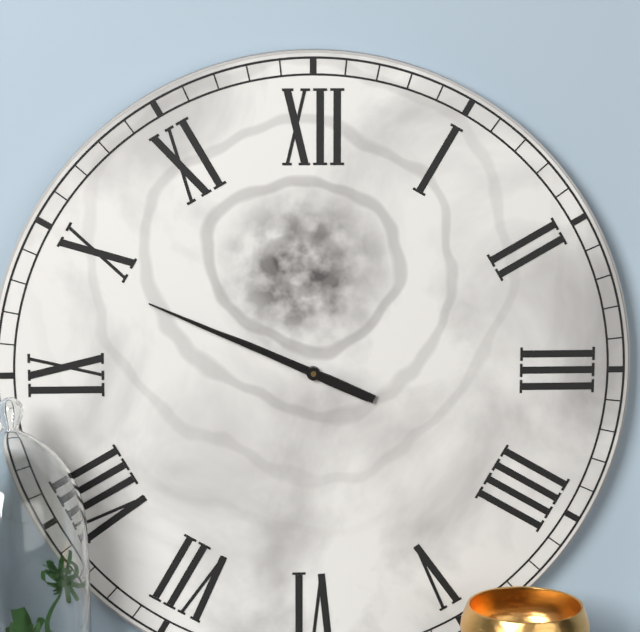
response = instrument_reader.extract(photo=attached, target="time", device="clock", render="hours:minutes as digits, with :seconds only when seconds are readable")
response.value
9:49
